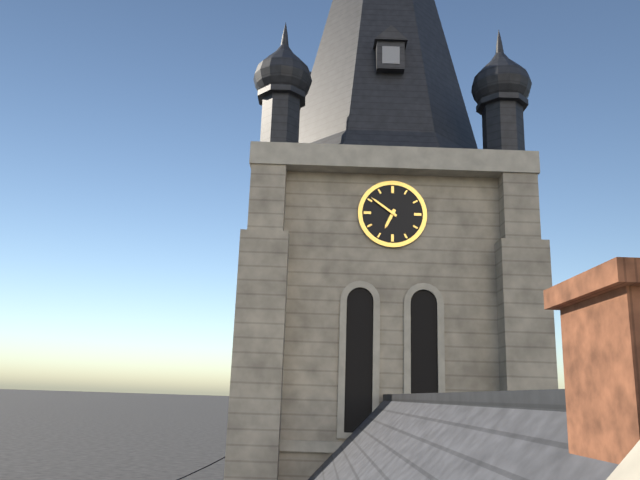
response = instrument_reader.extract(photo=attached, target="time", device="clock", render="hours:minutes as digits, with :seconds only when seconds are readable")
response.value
6:51
